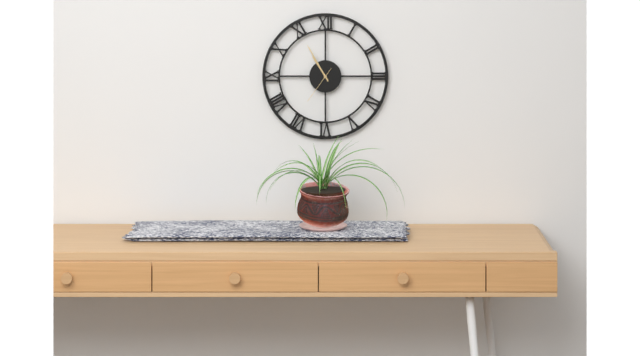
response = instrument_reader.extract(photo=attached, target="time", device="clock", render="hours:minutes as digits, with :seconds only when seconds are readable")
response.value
10:55
